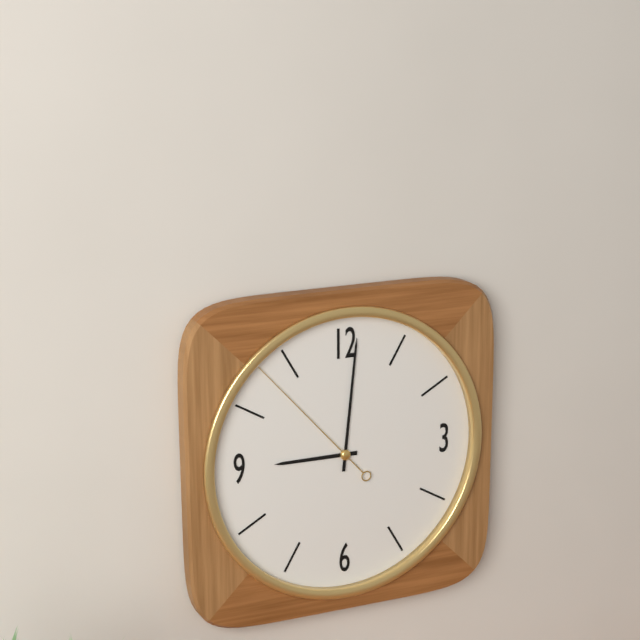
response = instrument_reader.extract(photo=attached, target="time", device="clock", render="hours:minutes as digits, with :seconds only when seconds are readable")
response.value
9:01:53
